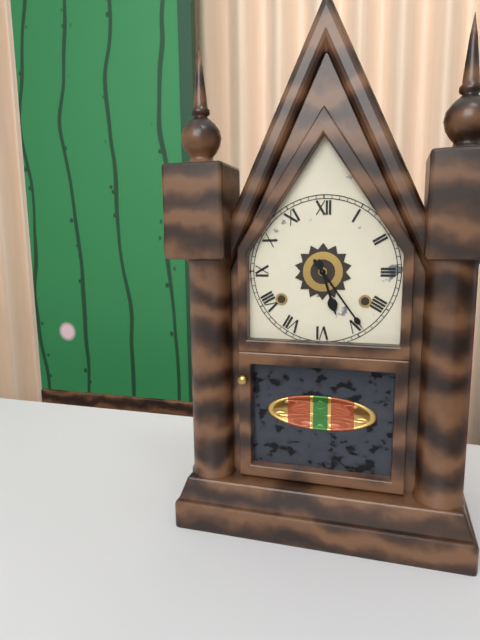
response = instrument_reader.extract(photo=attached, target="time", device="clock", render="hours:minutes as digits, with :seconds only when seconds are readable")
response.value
5:24
